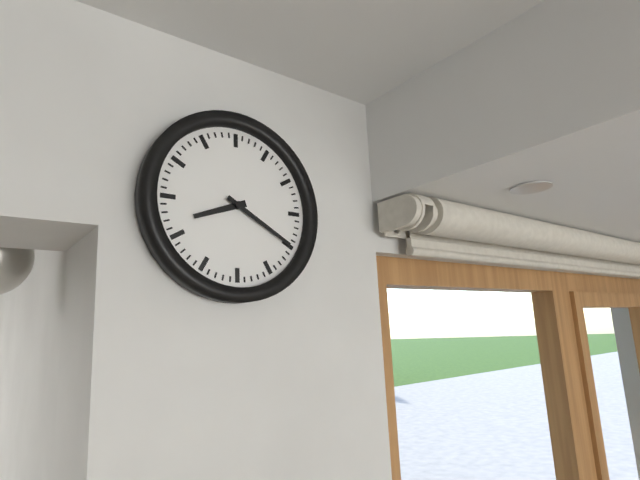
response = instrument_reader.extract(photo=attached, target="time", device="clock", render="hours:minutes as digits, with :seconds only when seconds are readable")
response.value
8:20
